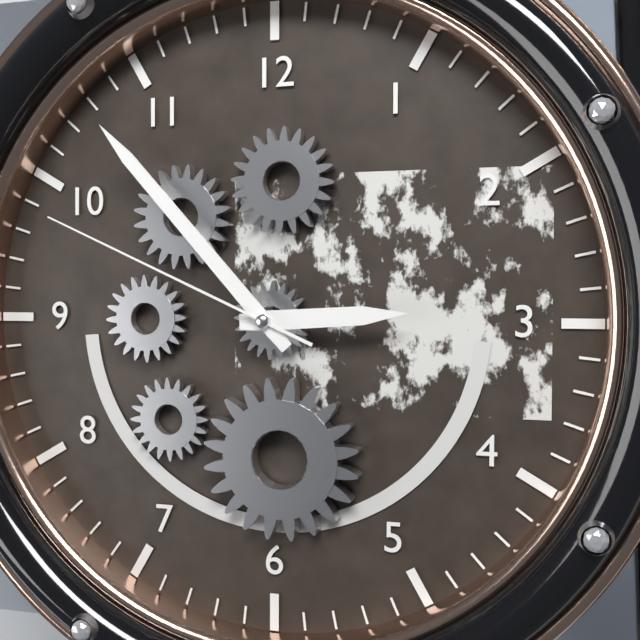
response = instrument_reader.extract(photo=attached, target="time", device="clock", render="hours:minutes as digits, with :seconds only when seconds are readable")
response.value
2:53:49
